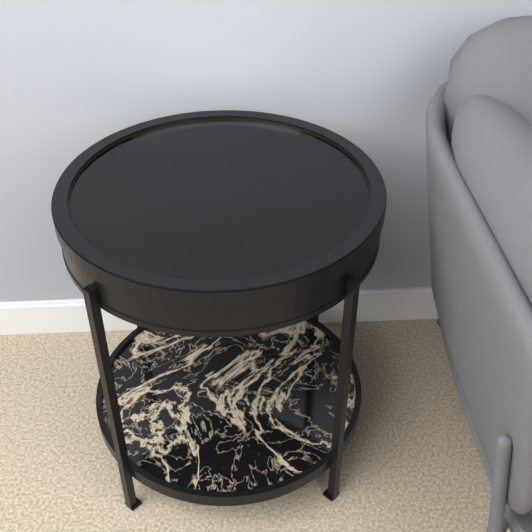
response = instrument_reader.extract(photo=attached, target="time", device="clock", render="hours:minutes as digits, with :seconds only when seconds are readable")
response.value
12:44
